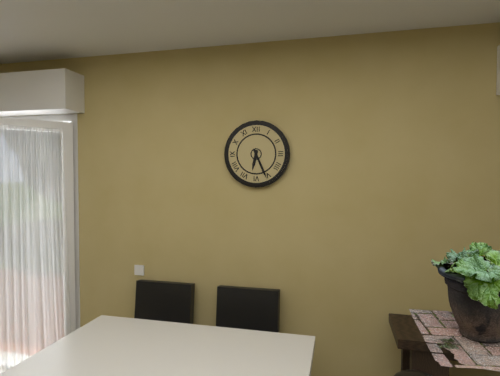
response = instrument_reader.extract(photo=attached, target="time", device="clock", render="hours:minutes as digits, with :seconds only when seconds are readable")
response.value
6:26
